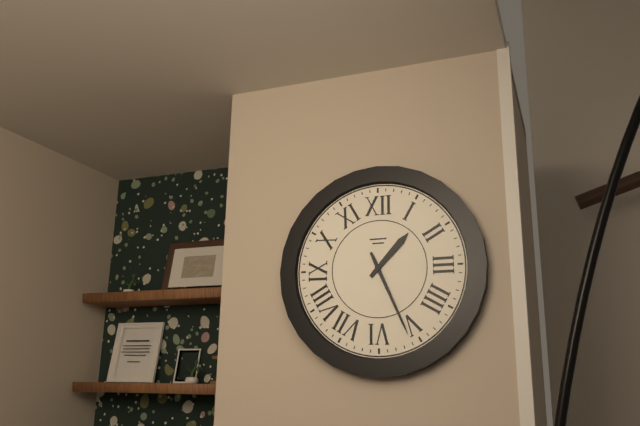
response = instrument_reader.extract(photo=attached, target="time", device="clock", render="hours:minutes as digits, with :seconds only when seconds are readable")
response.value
1:26
